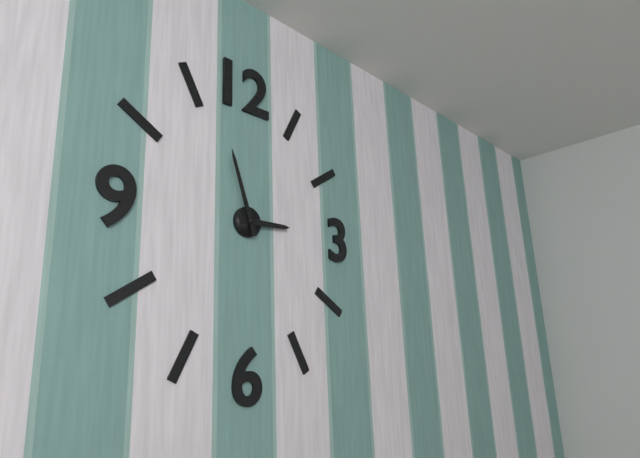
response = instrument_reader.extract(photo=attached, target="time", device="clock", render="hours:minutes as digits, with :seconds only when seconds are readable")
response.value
2:57
